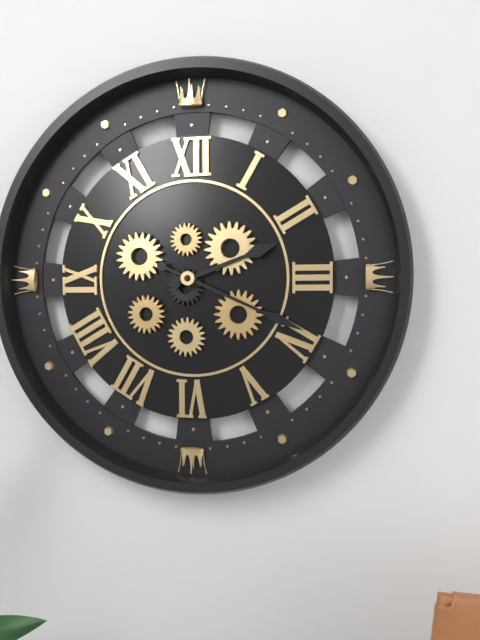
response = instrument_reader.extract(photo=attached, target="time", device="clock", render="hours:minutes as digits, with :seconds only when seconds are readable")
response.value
2:19
